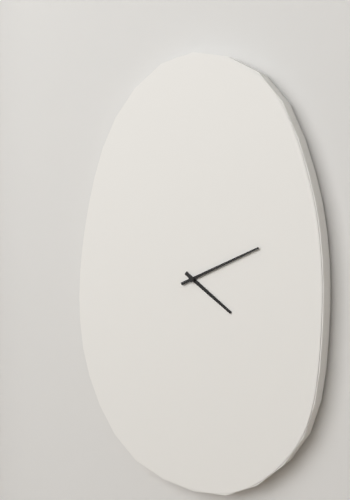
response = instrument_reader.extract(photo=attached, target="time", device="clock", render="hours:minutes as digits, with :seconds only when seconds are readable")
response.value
4:11
